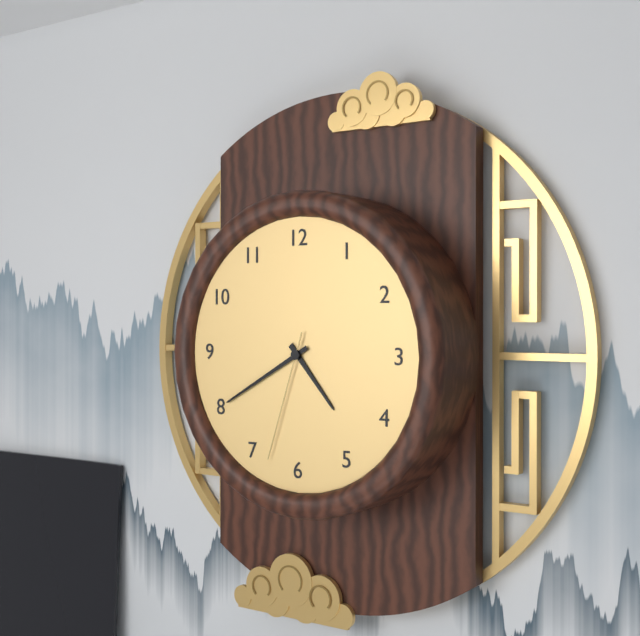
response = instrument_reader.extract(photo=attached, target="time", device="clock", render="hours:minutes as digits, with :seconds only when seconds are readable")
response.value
4:40:33
